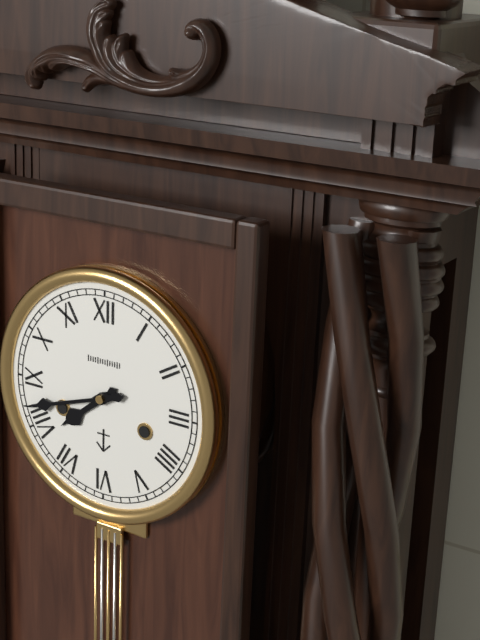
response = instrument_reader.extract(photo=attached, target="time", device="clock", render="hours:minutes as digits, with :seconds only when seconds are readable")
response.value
7:42
